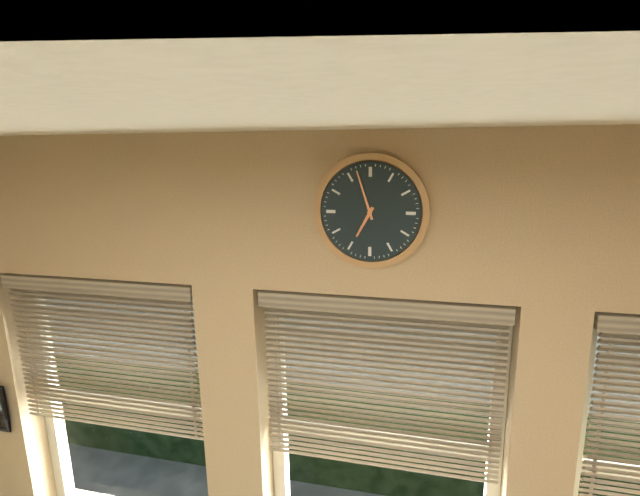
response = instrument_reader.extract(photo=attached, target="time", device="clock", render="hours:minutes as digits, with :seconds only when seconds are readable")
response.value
6:57
